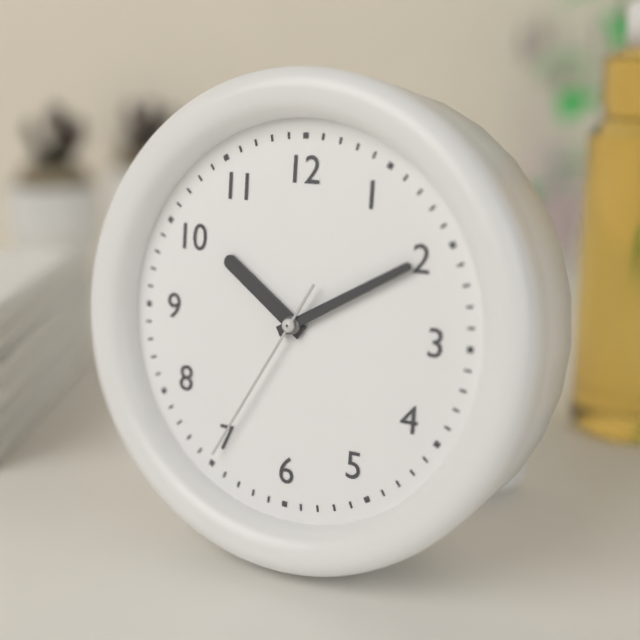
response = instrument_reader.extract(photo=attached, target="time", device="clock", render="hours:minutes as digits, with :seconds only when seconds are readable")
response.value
10:10:35
